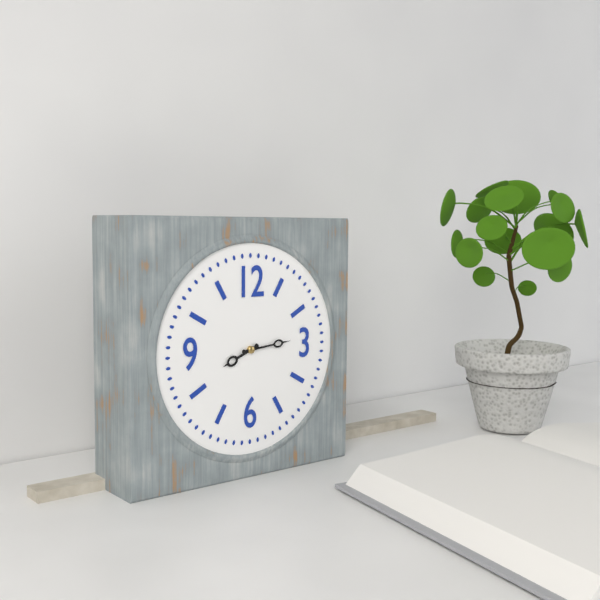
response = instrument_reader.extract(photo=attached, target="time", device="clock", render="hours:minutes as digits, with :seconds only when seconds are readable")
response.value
8:14
